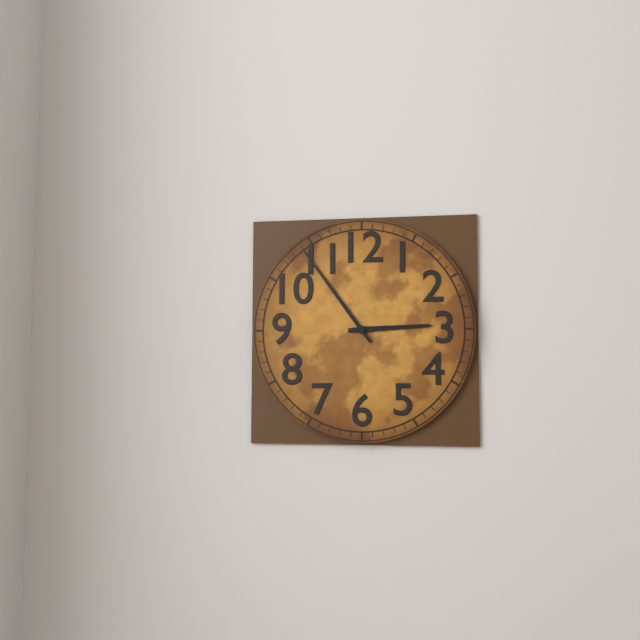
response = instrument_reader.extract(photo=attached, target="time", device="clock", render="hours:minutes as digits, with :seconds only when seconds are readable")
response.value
2:54
